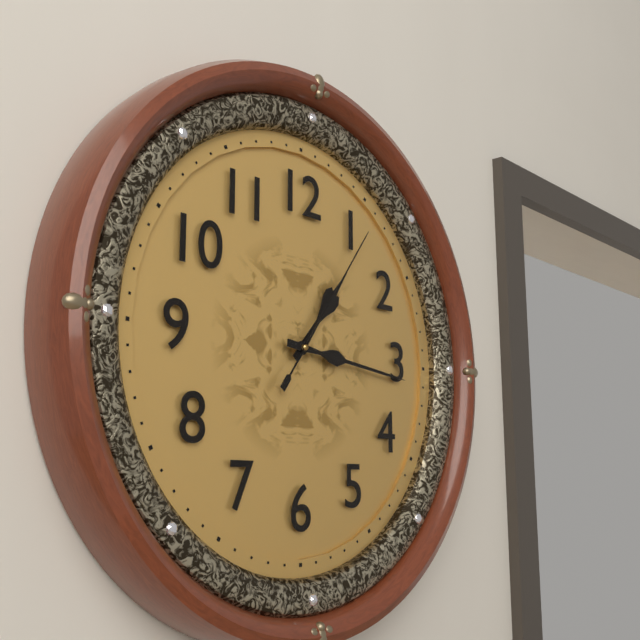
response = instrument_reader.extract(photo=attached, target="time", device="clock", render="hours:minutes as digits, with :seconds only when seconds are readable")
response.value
1:16:06
